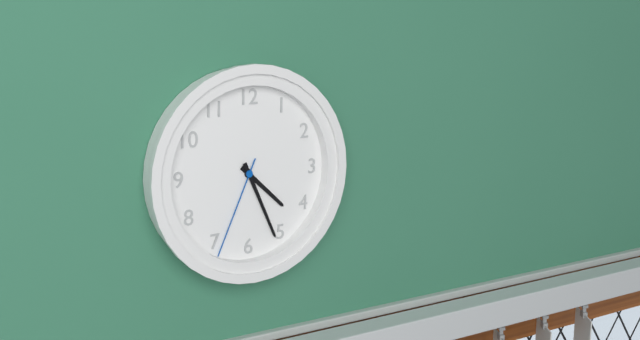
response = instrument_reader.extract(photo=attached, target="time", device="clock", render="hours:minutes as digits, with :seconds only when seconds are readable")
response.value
4:26:34
